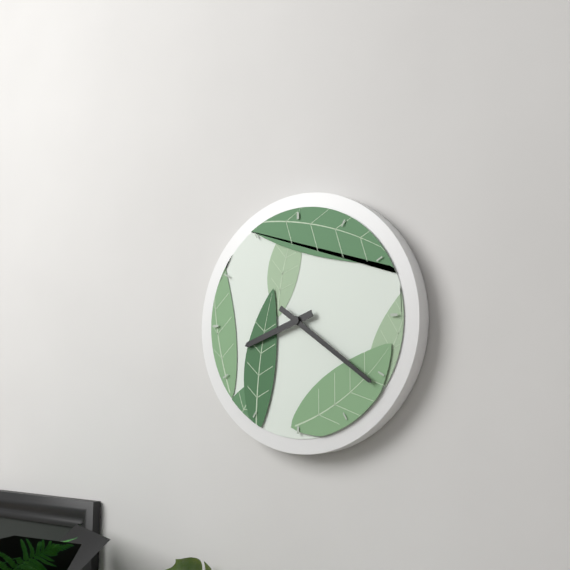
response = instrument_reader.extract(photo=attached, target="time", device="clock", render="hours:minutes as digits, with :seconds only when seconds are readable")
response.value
8:21
